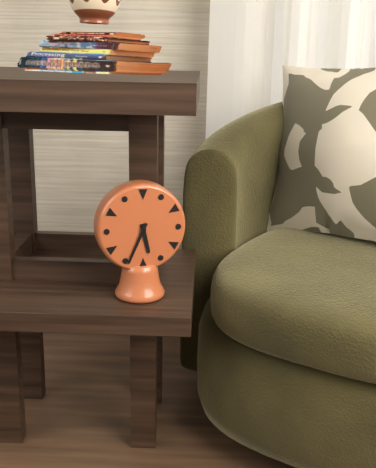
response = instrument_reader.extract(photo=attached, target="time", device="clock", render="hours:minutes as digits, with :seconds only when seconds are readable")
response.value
5:34
